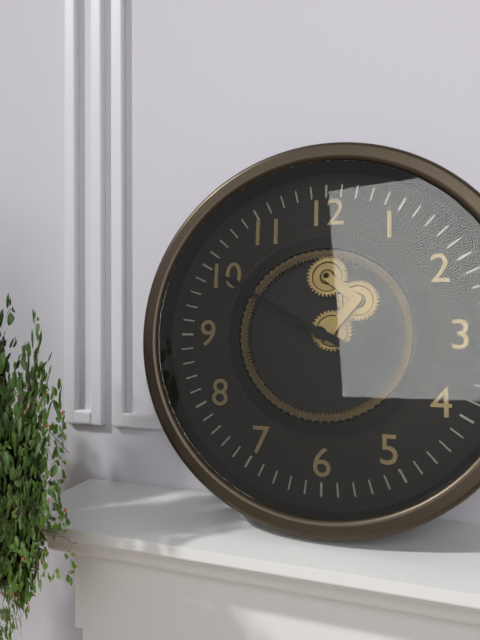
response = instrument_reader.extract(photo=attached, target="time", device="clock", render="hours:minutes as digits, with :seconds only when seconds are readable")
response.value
3:50
